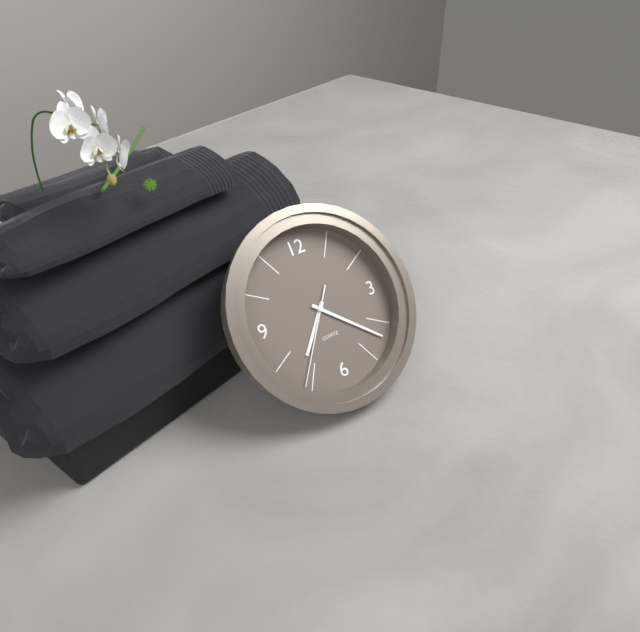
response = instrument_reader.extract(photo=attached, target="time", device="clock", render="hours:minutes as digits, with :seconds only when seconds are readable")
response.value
7:22:36
